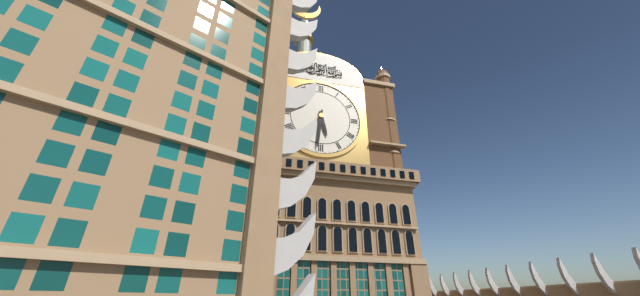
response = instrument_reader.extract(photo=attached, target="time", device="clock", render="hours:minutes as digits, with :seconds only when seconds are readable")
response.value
5:31
